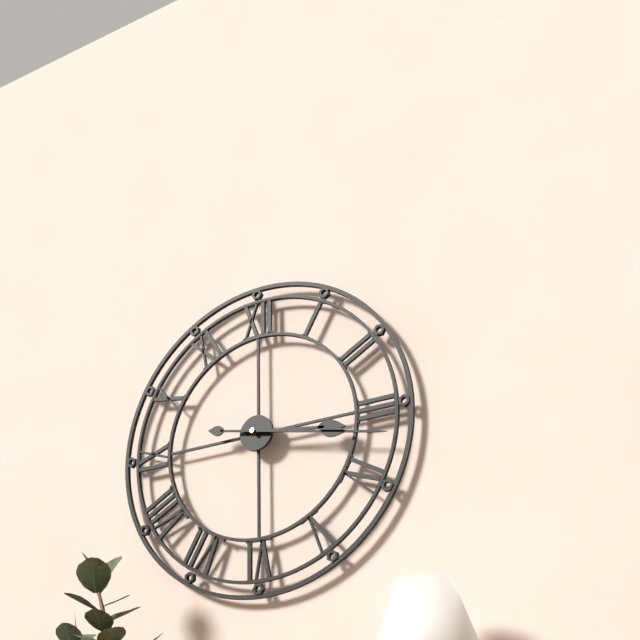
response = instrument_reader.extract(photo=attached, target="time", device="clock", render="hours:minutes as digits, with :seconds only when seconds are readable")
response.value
3:17
